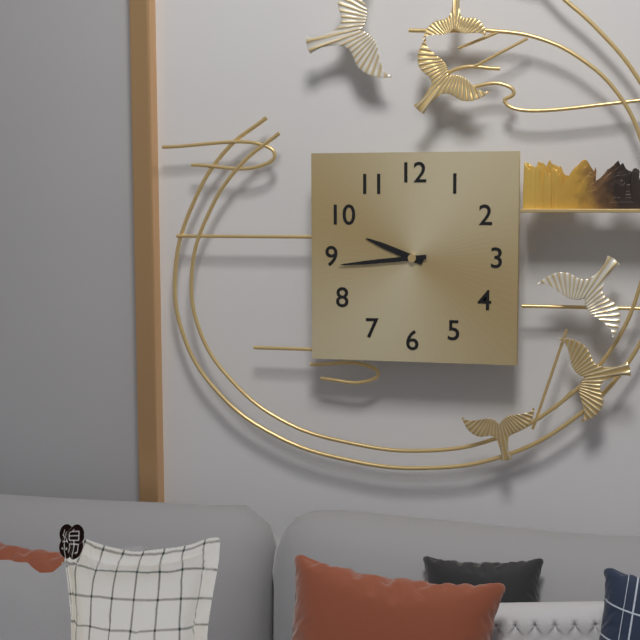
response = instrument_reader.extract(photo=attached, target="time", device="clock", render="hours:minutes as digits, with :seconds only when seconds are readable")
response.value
9:44
